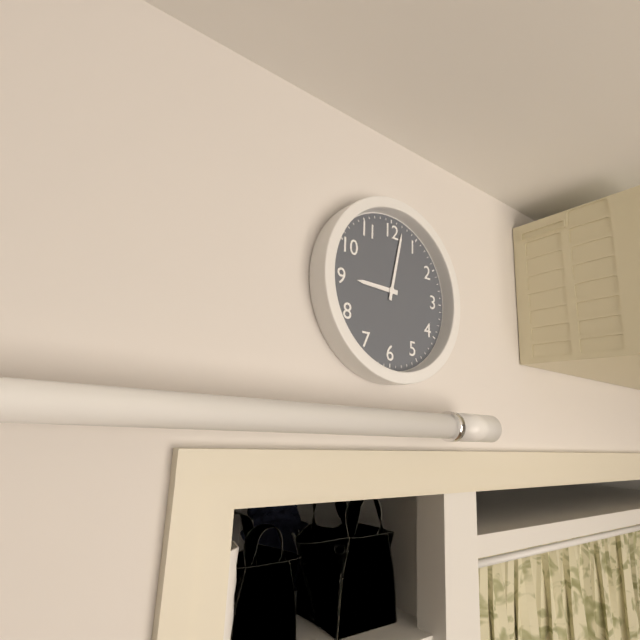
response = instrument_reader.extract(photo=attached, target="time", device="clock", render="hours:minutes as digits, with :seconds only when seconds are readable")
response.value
9:02
